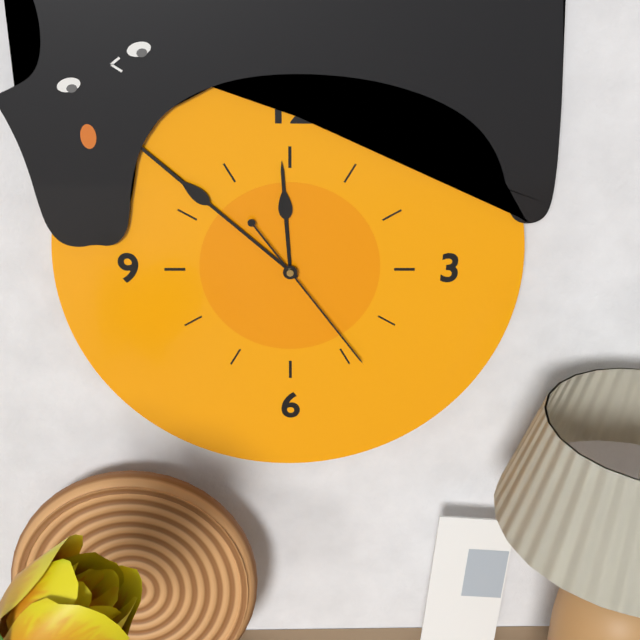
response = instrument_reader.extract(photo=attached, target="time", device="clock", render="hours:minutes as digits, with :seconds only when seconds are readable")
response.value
11:52:24
